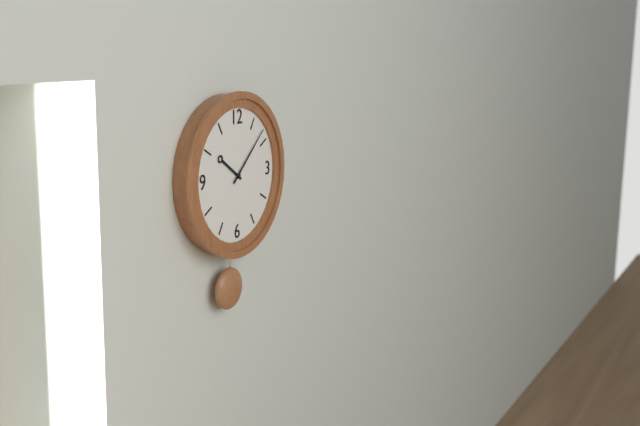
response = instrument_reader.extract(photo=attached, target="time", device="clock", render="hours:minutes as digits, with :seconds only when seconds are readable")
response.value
10:08
